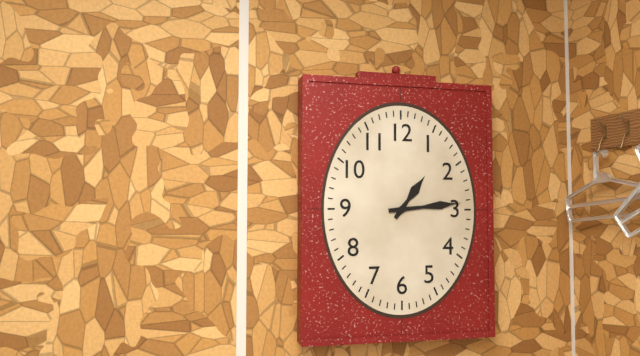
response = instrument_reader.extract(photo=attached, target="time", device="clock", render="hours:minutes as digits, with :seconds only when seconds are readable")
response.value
1:14
